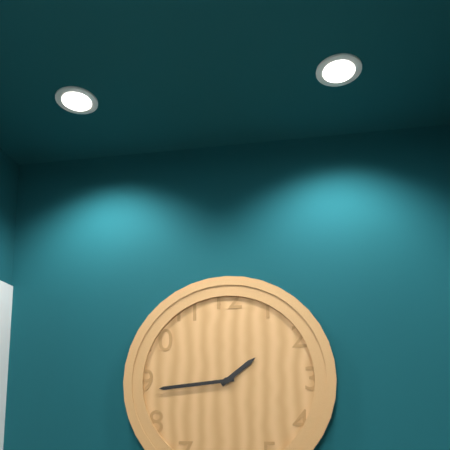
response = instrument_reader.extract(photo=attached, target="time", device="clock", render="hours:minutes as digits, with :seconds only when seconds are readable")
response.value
1:44
